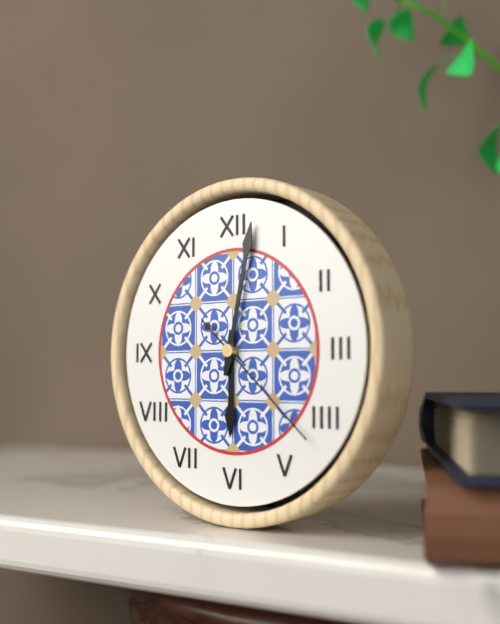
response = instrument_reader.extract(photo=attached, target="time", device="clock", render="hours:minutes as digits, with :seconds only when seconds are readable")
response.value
6:02:22
